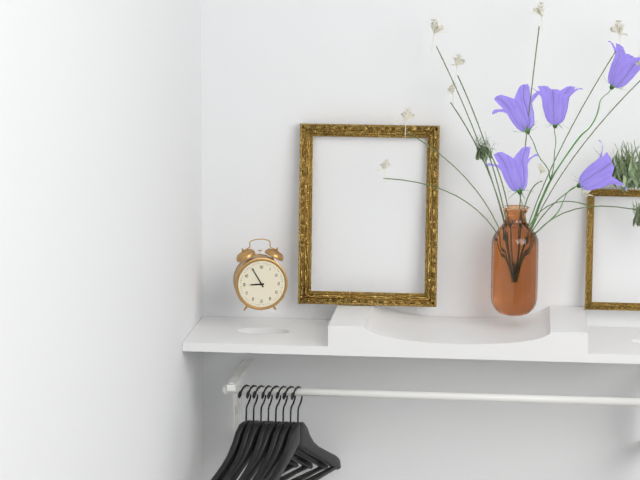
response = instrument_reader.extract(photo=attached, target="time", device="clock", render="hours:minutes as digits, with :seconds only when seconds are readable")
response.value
8:55
